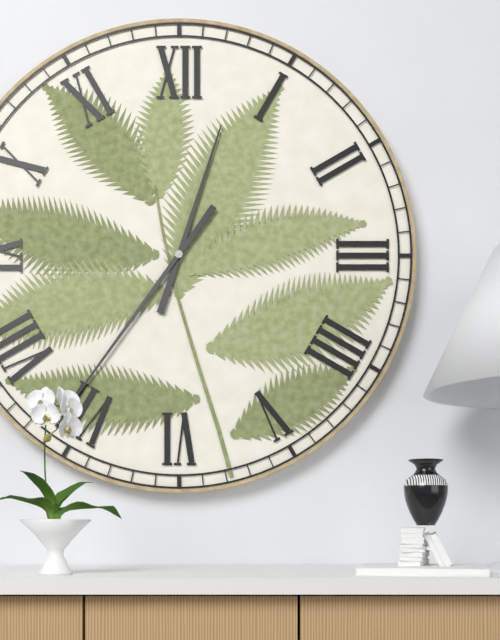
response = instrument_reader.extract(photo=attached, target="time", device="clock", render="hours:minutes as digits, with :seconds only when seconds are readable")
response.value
12:36
